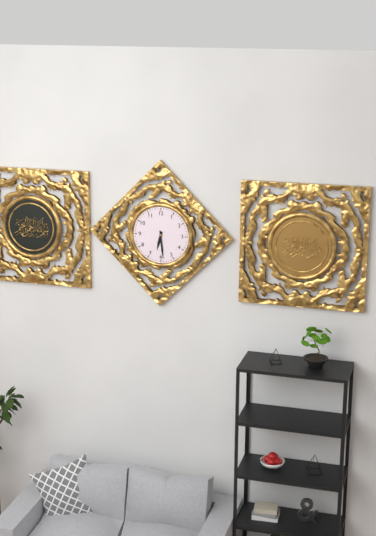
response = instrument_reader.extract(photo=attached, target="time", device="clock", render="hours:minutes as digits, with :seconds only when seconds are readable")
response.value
6:29
